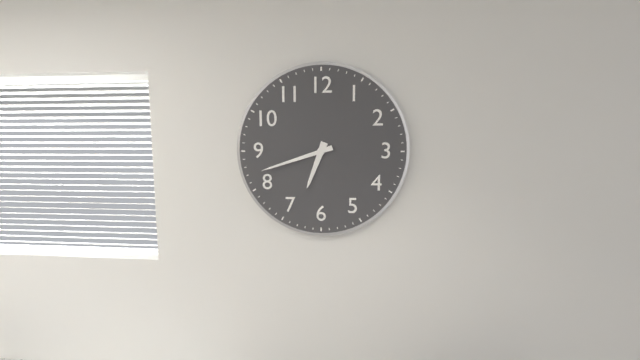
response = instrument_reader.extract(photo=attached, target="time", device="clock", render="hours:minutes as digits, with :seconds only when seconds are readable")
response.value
6:42
